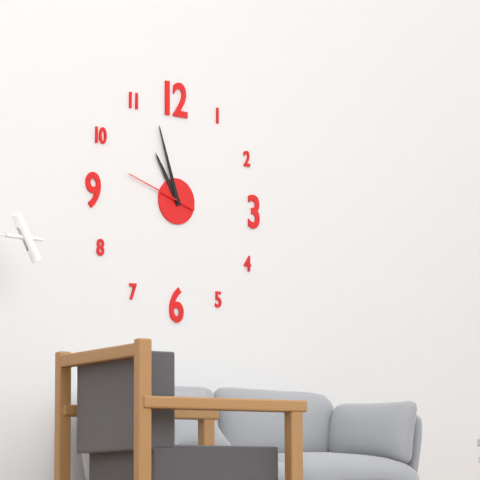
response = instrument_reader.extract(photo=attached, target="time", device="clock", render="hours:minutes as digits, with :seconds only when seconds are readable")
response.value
10:57:48
